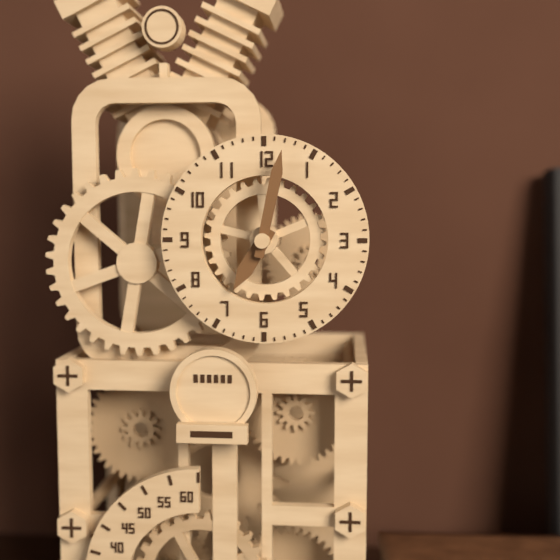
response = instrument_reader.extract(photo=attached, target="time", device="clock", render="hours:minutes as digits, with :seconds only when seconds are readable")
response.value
7:02
